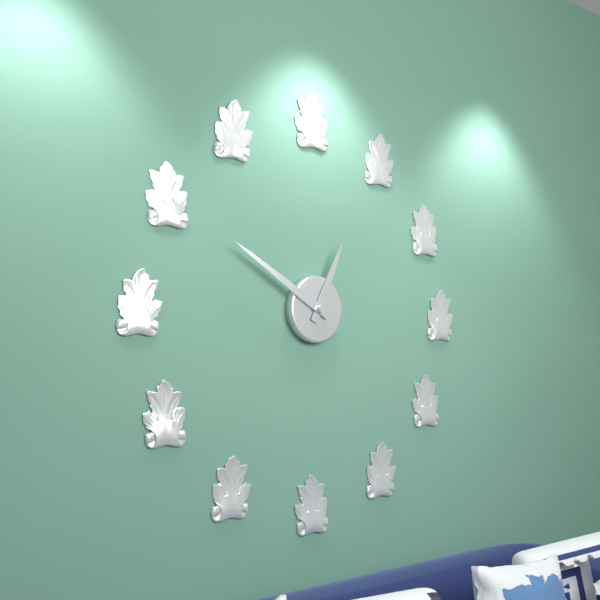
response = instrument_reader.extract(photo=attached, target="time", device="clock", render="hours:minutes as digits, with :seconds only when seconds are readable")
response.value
12:50
